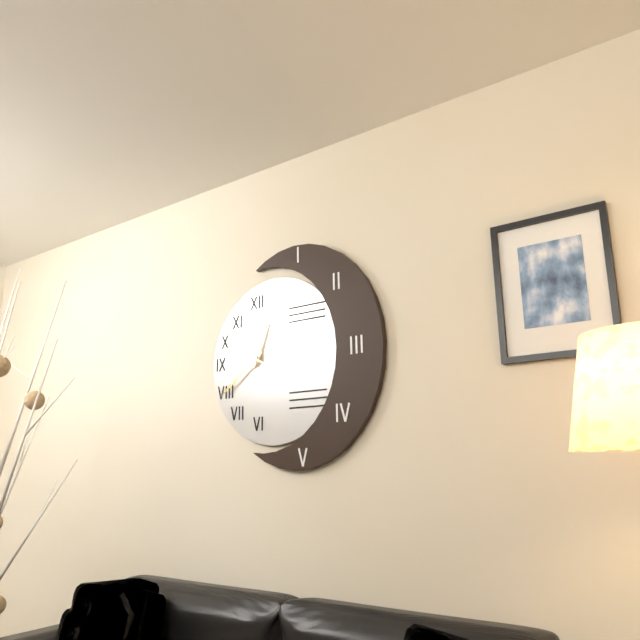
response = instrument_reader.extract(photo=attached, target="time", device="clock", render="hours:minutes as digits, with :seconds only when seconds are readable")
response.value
12:39:19
